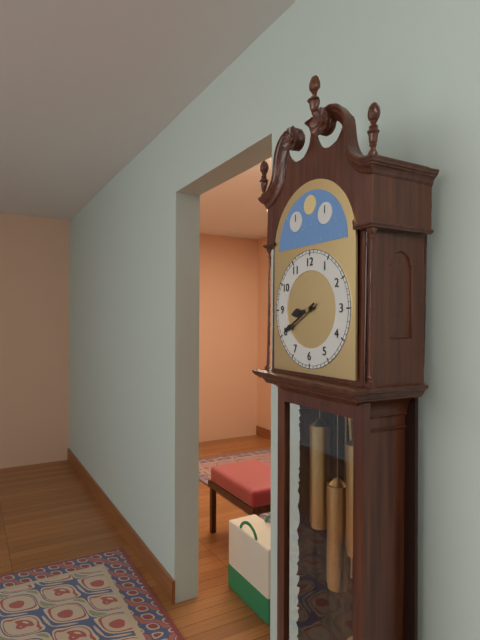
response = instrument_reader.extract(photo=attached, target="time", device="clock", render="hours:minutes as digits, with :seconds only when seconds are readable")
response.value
8:40
